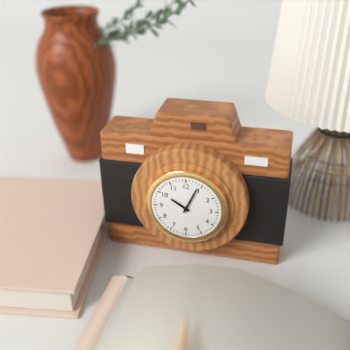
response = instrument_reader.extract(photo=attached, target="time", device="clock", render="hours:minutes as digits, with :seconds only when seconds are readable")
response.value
10:04
